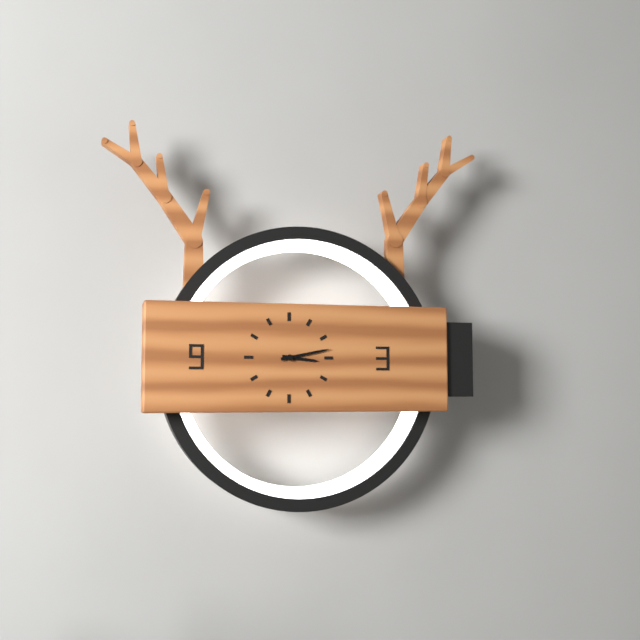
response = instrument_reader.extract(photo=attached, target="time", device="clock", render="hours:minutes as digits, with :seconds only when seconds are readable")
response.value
3:13
